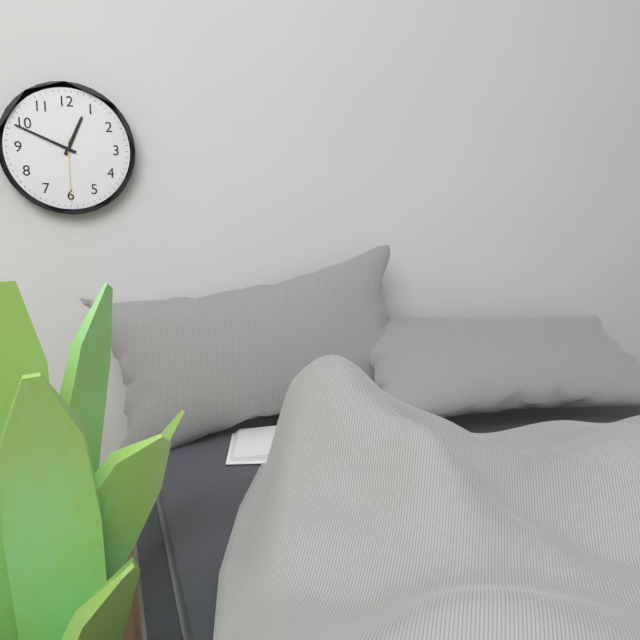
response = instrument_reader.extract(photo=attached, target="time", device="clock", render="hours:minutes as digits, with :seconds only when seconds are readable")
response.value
12:49:30
